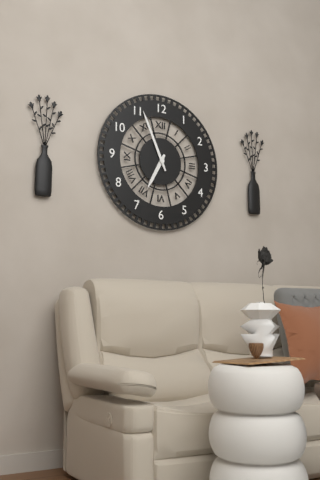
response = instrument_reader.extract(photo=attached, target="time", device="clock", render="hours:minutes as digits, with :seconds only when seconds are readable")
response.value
6:56
